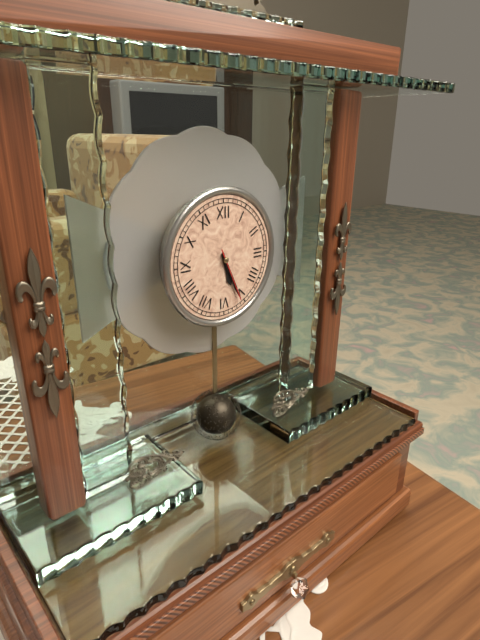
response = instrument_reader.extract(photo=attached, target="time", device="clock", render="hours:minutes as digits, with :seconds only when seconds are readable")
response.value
5:26:26
